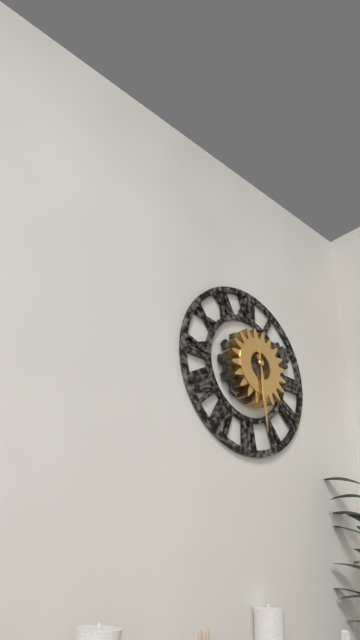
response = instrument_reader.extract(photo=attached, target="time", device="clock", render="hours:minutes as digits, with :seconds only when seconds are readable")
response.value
5:29
